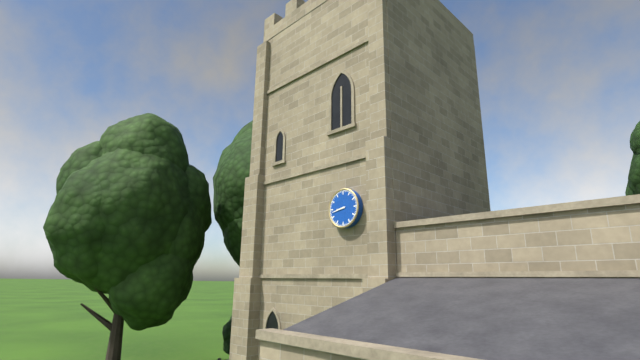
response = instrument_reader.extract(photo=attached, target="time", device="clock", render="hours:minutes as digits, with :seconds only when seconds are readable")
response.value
8:43
